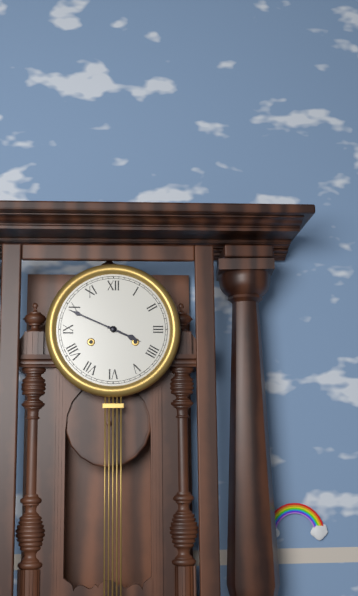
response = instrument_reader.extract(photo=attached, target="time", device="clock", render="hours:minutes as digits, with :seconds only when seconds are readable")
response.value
3:49
